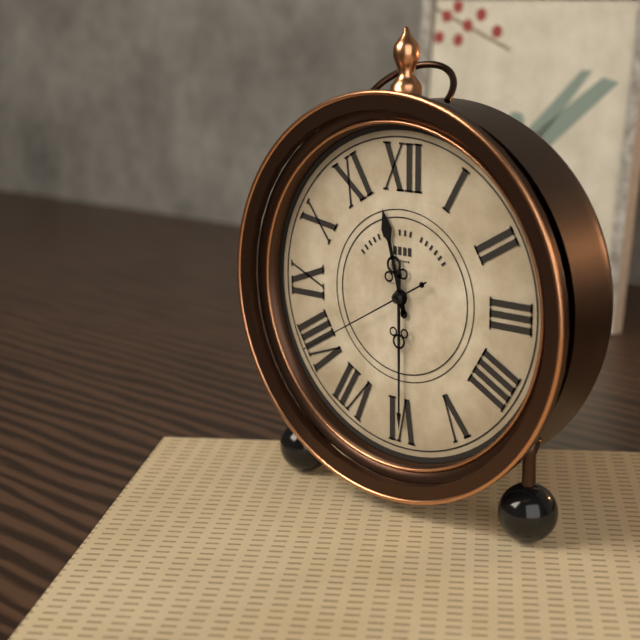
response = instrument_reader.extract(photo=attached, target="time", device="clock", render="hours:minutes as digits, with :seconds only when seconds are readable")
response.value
11:30:40
